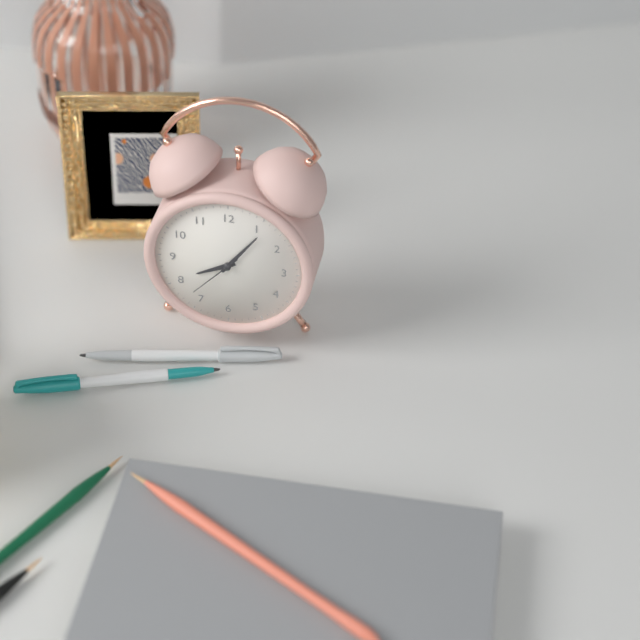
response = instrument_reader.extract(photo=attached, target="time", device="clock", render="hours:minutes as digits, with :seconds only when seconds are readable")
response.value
8:06:37
